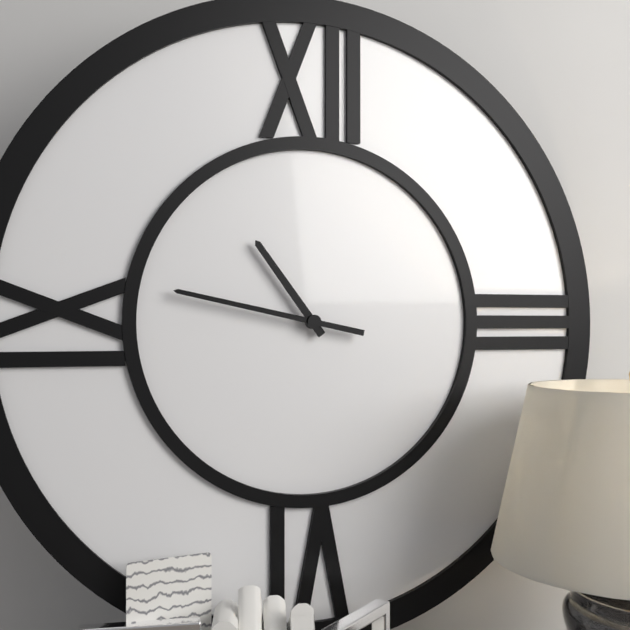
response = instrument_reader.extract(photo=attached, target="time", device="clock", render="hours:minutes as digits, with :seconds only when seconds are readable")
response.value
10:47
